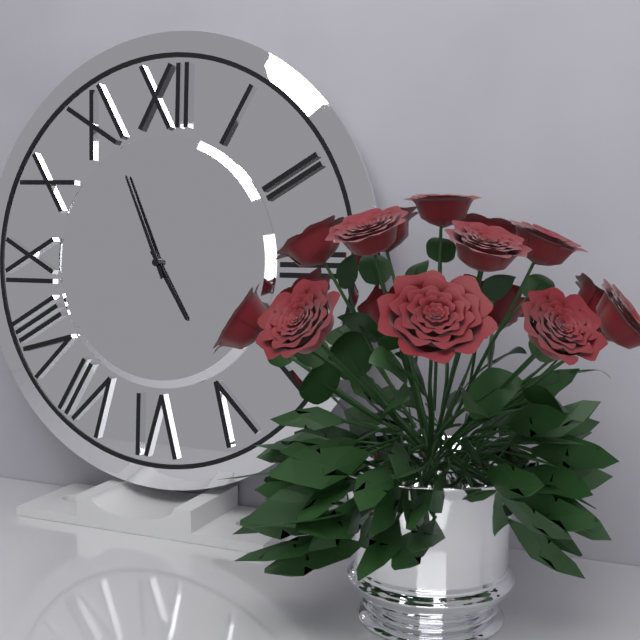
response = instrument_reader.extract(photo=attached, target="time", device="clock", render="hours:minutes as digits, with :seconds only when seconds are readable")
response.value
4:56
